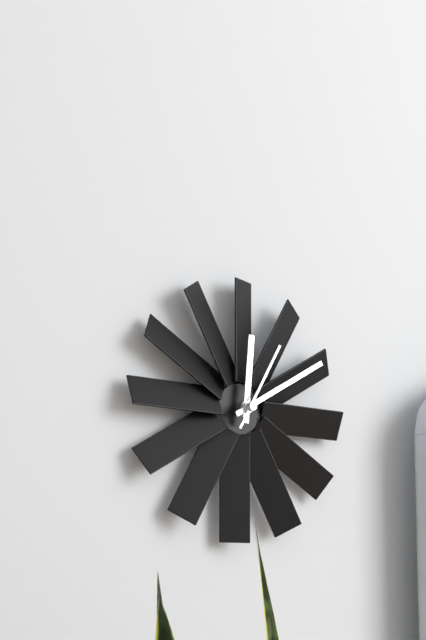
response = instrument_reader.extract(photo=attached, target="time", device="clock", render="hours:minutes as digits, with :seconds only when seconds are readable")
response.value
12:10:05
